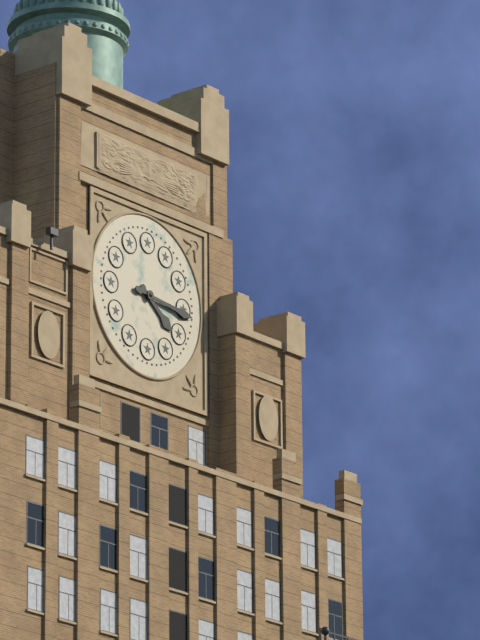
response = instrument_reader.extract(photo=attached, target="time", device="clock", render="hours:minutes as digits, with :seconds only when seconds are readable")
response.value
4:16
